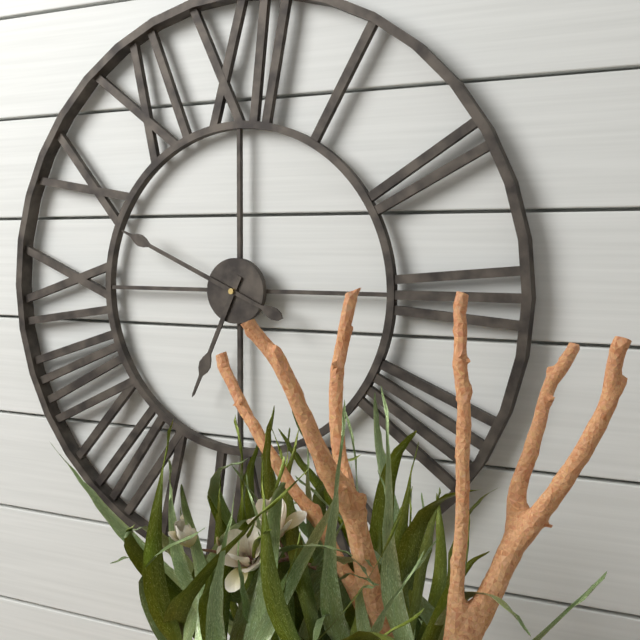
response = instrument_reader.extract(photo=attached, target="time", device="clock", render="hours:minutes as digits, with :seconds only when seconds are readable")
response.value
6:49
